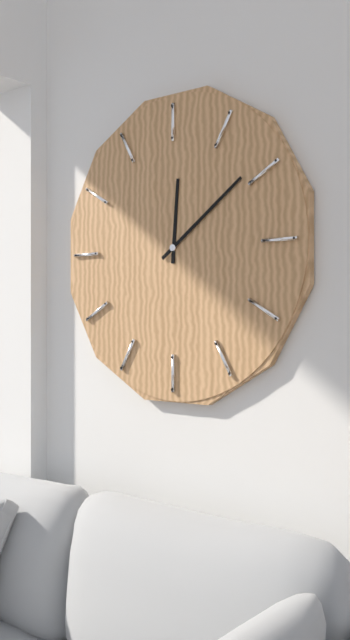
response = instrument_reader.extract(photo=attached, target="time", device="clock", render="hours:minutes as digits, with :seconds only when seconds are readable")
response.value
12:09
